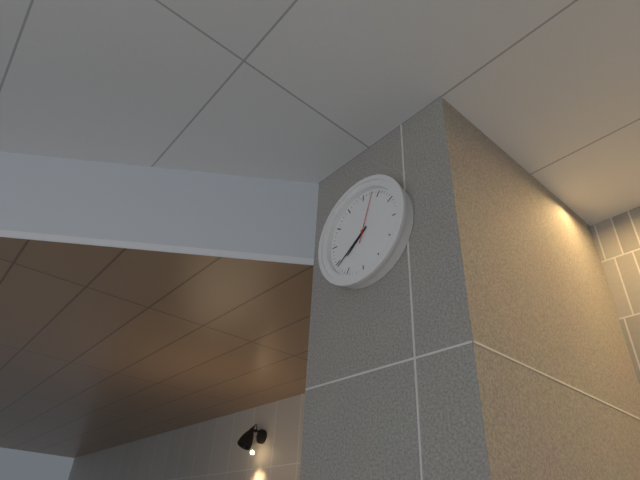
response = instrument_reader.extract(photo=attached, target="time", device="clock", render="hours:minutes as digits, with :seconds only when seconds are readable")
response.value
7:39:03
